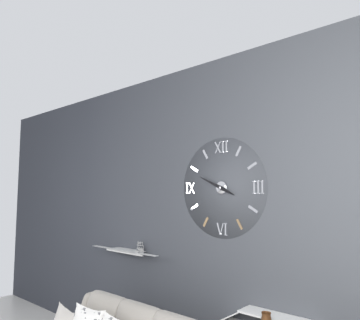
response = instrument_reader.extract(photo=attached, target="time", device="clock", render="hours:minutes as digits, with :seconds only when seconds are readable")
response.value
3:49
